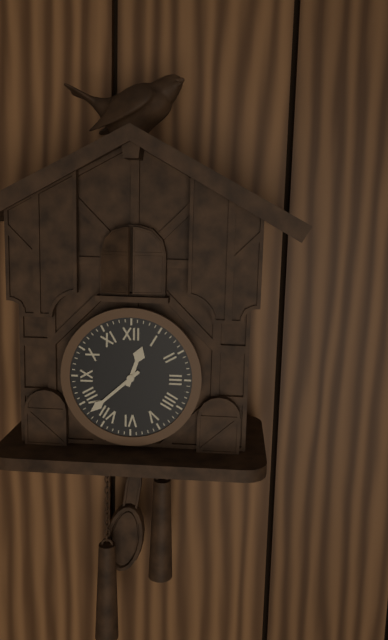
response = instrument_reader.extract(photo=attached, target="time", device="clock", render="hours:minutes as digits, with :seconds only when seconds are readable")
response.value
12:38
